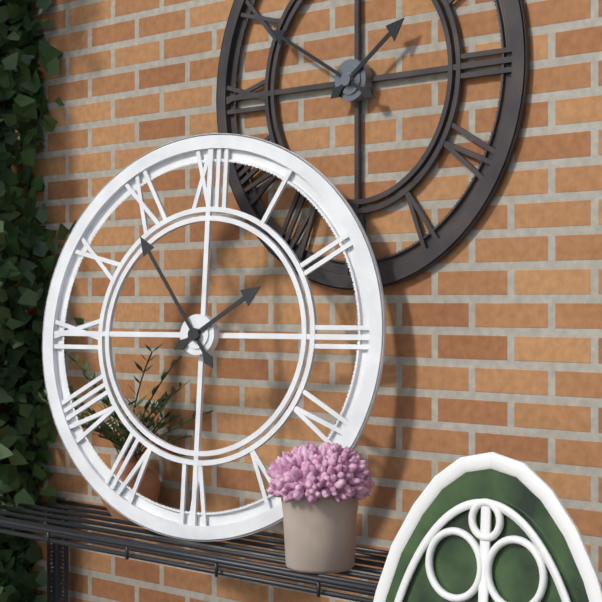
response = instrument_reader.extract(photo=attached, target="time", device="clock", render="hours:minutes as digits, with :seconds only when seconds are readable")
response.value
1:54
